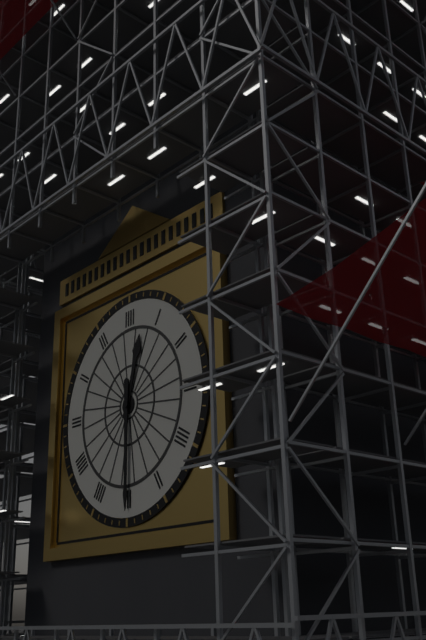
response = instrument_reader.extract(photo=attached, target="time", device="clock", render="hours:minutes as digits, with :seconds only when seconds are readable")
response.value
12:30
